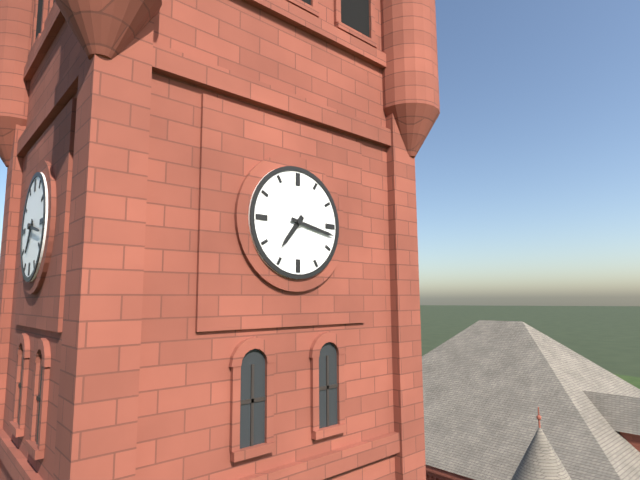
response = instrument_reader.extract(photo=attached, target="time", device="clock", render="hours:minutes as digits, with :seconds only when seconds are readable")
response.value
7:17
